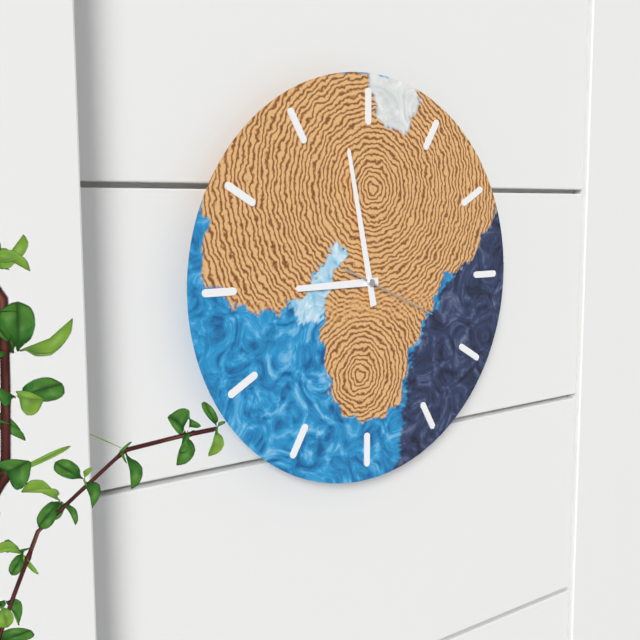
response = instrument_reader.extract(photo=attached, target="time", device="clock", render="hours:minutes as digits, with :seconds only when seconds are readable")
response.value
8:58:19
